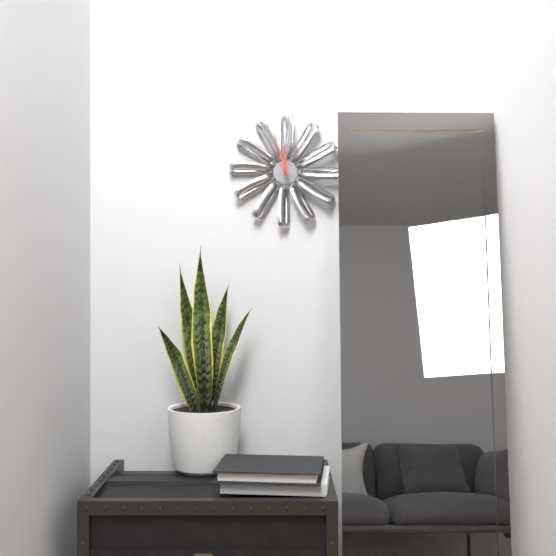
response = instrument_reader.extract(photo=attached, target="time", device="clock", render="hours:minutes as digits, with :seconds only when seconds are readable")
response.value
11:57
